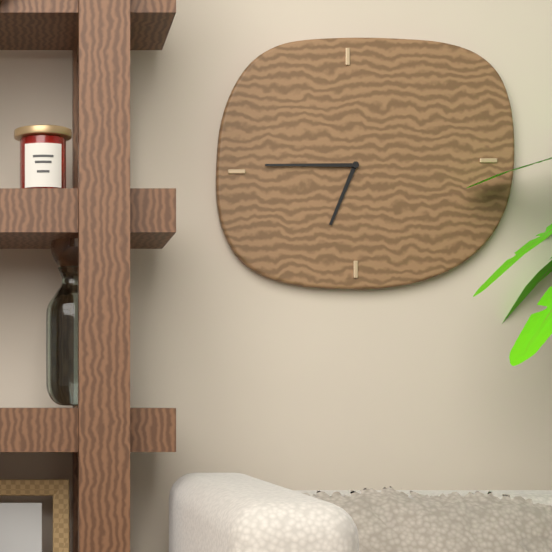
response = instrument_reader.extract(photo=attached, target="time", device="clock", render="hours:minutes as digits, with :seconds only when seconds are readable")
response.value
6:45
